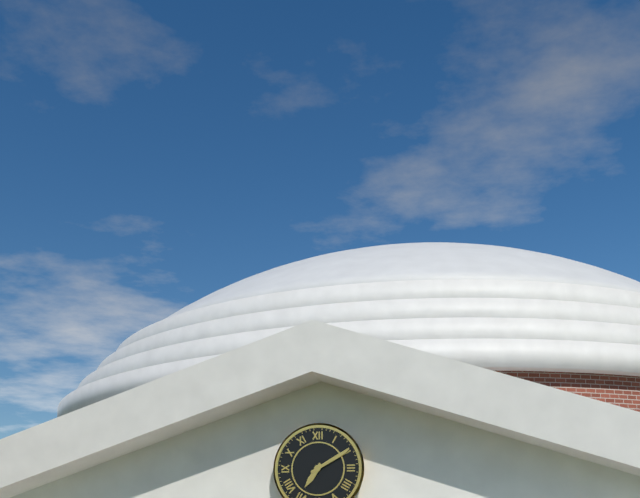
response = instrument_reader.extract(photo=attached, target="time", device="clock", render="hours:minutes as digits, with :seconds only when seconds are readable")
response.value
7:10
